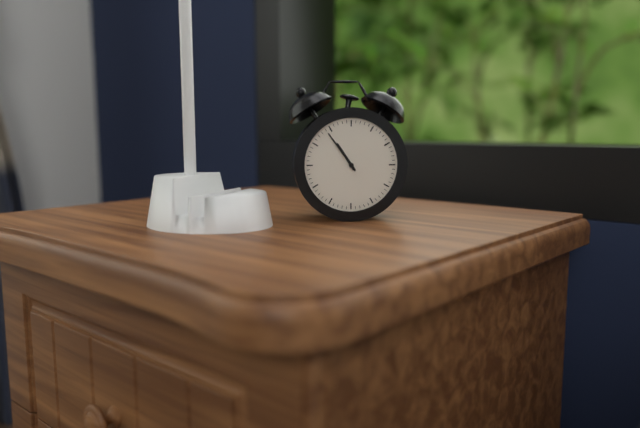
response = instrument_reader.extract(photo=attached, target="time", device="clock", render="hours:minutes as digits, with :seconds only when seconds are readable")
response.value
10:54
